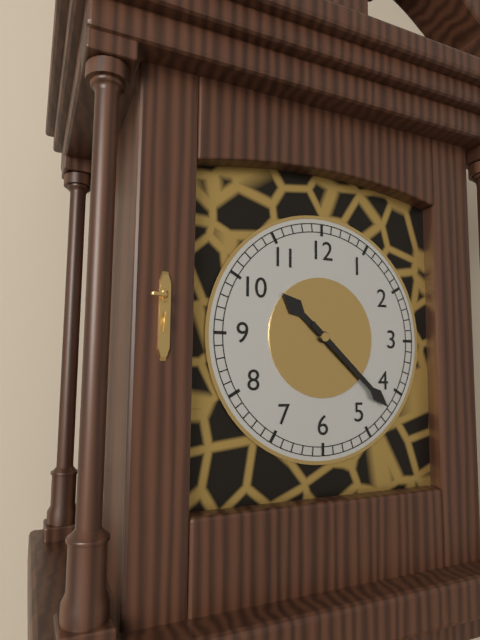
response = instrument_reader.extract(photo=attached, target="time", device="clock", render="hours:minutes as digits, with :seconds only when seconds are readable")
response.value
10:22
